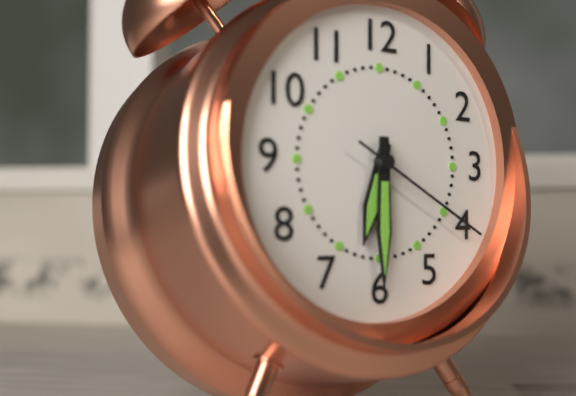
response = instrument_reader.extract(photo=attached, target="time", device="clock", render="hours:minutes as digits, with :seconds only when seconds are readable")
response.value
6:30:20
